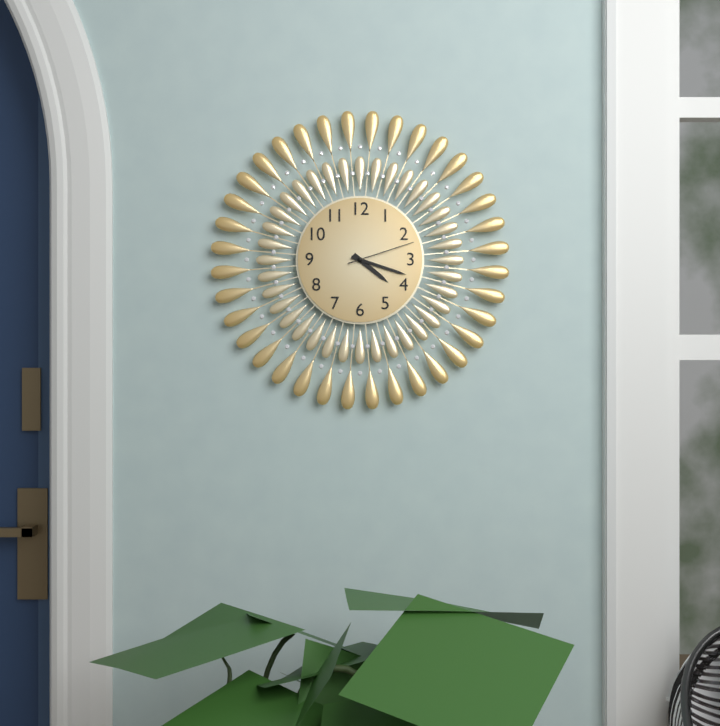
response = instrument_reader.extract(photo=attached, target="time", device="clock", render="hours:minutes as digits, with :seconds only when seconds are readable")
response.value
4:18:12
